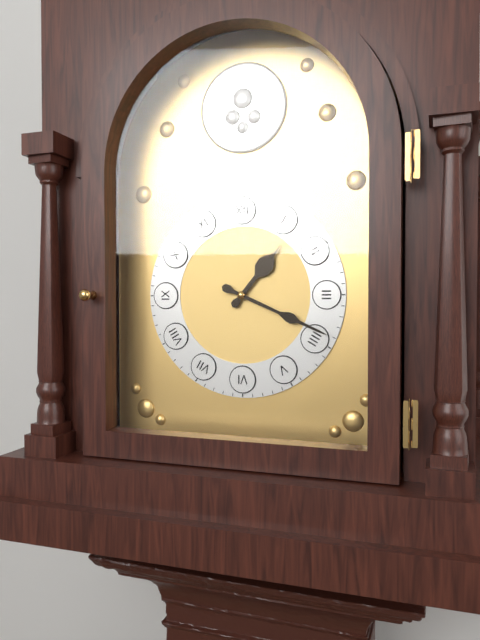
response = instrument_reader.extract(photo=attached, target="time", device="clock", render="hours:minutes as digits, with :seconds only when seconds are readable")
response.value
1:19
